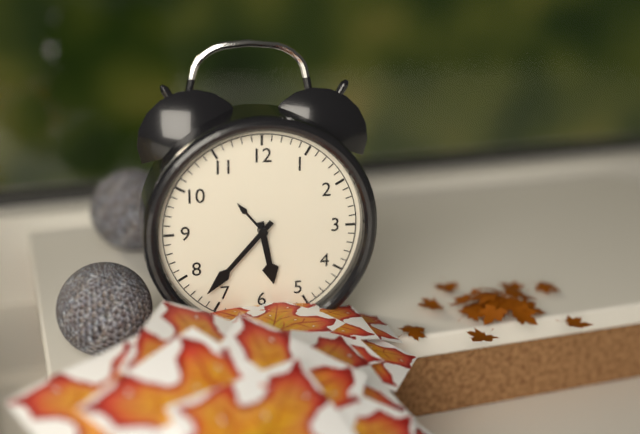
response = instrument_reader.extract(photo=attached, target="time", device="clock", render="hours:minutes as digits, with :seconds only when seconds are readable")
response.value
5:37
